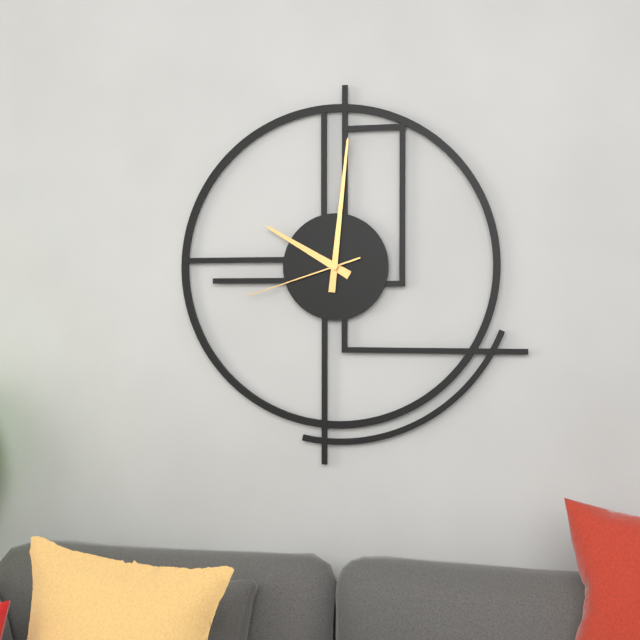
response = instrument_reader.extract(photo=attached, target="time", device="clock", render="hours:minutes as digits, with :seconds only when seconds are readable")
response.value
10:01:42
